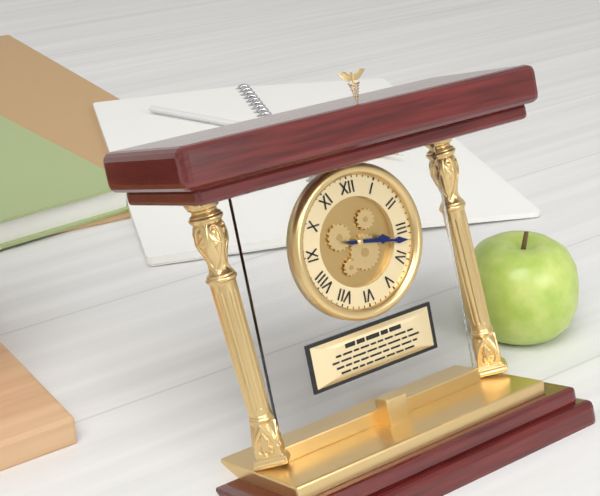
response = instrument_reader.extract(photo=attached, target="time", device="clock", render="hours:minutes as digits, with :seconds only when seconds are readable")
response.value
3:17
